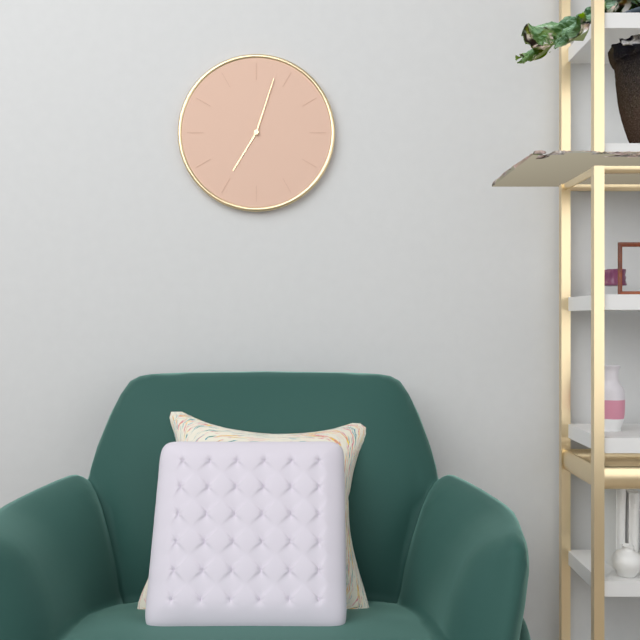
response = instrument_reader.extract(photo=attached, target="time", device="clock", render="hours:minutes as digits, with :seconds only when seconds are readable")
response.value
7:03
